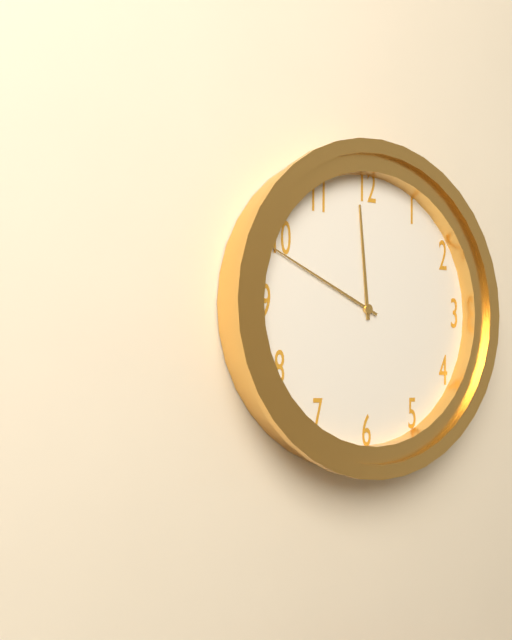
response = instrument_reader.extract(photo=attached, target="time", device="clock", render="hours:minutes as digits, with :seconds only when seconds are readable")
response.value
11:49
